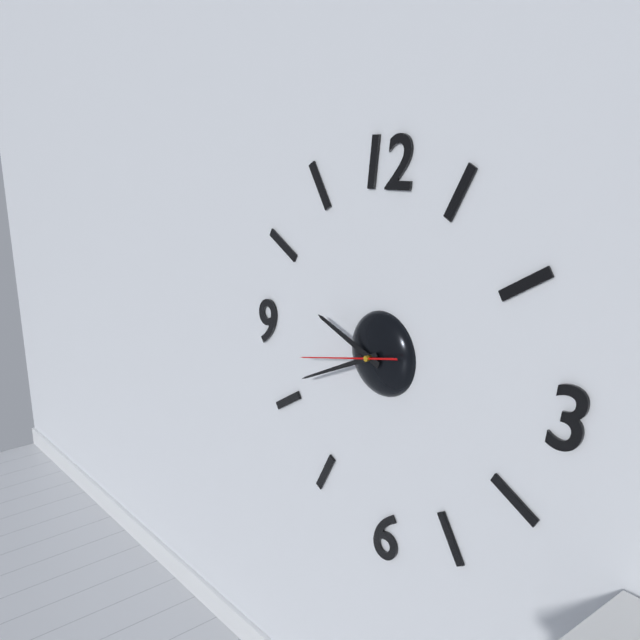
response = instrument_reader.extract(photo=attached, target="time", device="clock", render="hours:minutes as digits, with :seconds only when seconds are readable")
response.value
9:41:43
